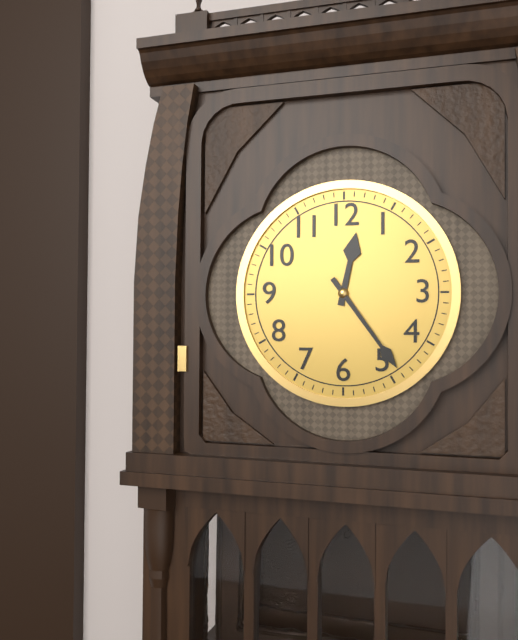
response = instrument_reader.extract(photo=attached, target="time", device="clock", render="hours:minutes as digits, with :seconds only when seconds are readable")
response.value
12:24
